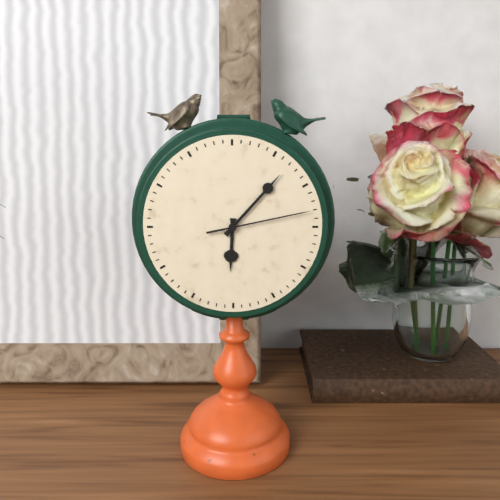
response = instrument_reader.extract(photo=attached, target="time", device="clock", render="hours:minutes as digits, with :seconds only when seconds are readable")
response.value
6:07:13
